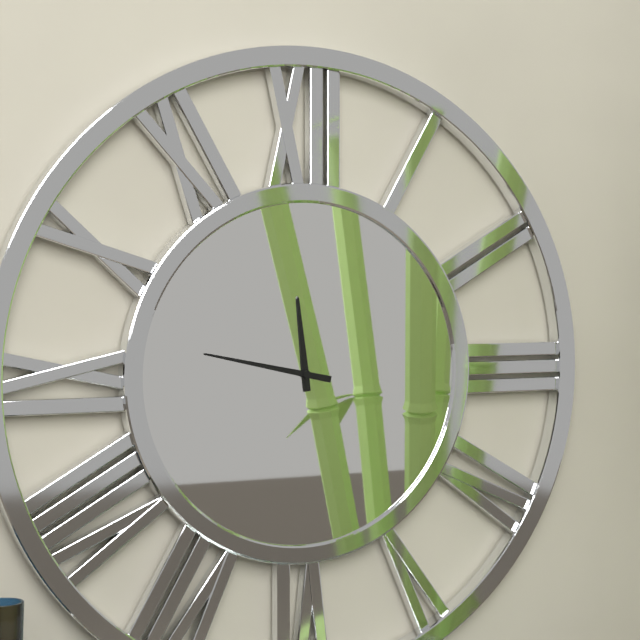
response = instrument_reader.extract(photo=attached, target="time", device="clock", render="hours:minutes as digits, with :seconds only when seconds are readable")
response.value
11:47
